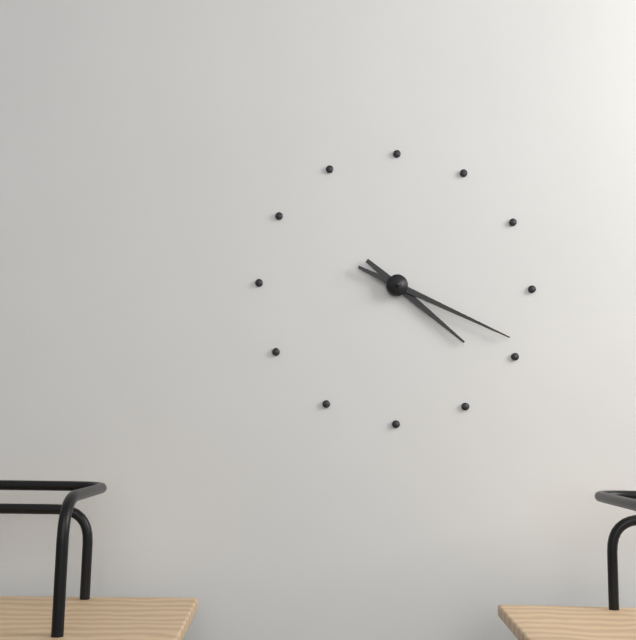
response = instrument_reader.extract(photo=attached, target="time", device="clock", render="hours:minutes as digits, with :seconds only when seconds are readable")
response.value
4:19
